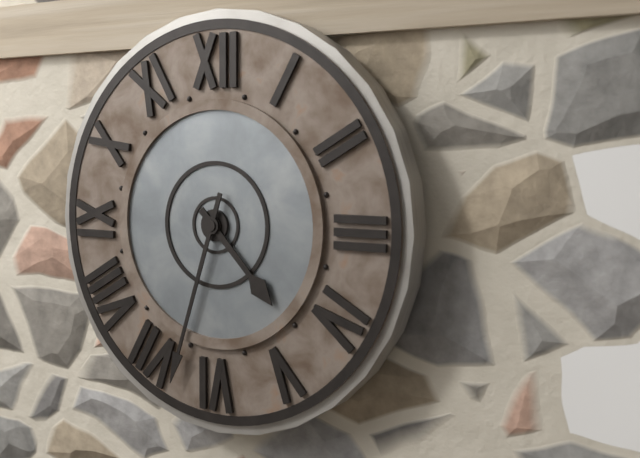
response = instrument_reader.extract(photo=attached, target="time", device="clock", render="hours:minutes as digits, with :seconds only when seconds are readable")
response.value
4:33
